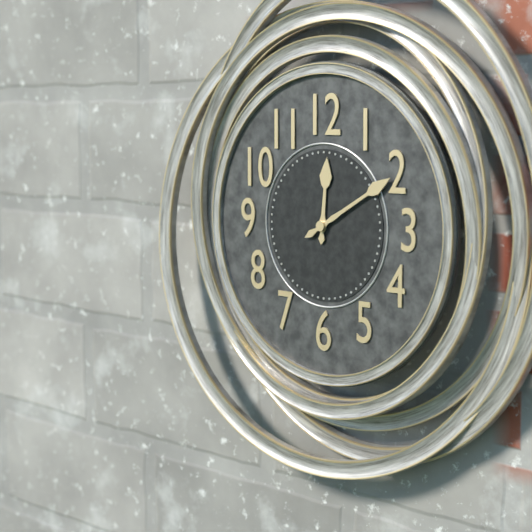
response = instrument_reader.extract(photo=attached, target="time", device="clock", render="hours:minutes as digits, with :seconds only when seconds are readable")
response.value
12:10
